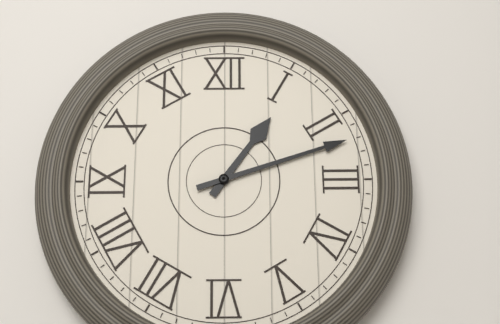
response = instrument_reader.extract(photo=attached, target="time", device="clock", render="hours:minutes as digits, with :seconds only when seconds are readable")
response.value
1:12
